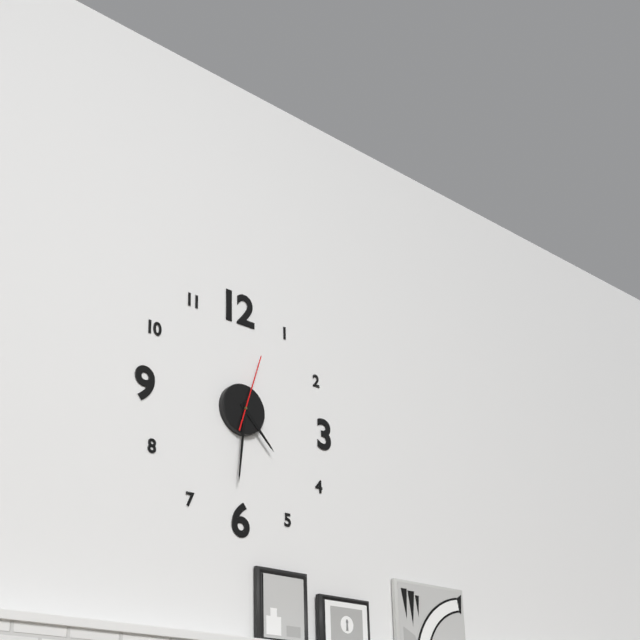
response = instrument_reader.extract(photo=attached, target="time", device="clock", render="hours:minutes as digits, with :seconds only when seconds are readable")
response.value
4:31:03
